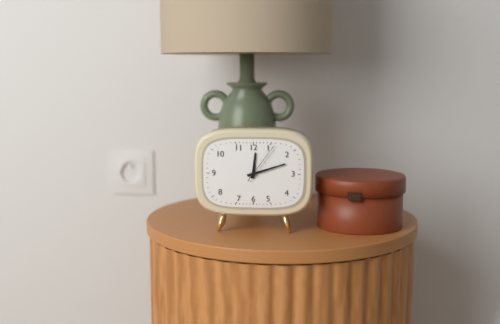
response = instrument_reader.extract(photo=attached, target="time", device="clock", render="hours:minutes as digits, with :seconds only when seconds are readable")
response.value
12:12
